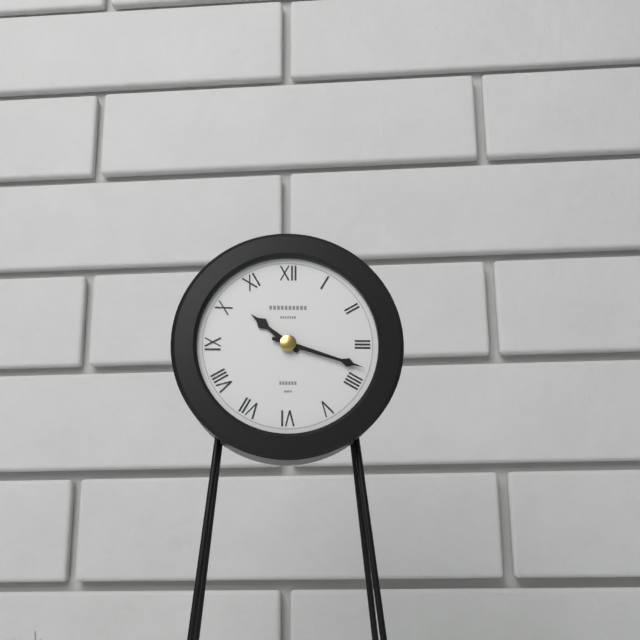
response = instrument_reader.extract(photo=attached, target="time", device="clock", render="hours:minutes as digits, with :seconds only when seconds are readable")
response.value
10:18
